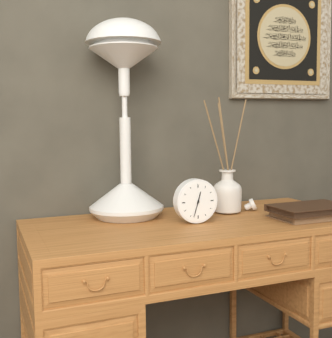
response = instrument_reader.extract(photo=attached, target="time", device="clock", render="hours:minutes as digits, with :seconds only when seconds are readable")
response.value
12:33
